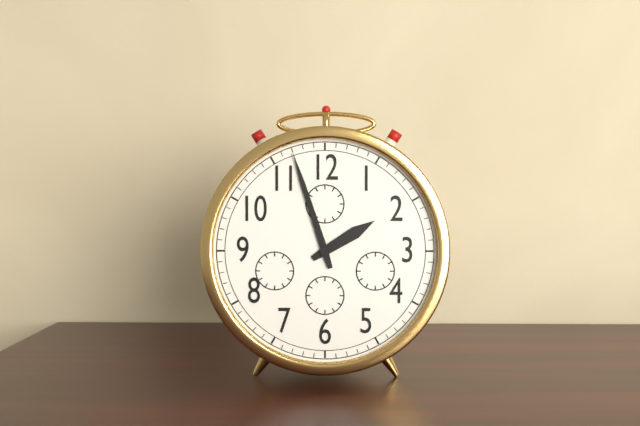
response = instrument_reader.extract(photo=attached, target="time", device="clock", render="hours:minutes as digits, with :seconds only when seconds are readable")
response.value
1:57
